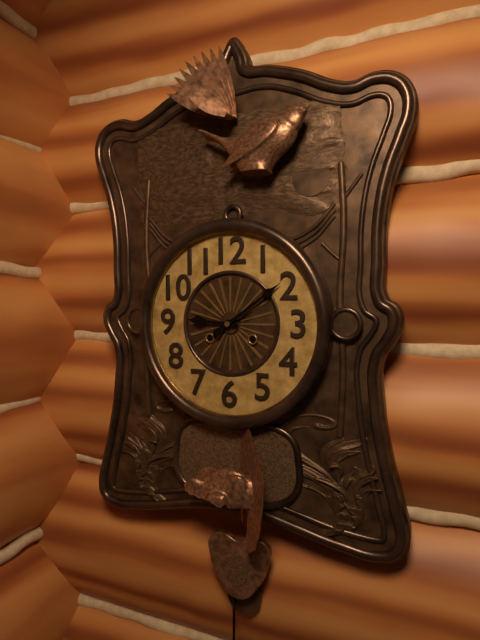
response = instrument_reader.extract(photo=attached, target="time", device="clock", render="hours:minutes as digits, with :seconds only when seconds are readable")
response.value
9:09
